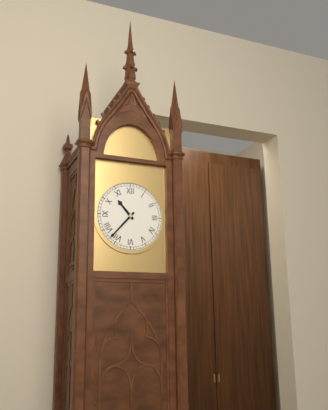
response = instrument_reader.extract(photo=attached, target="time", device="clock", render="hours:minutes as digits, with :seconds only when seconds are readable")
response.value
10:37
